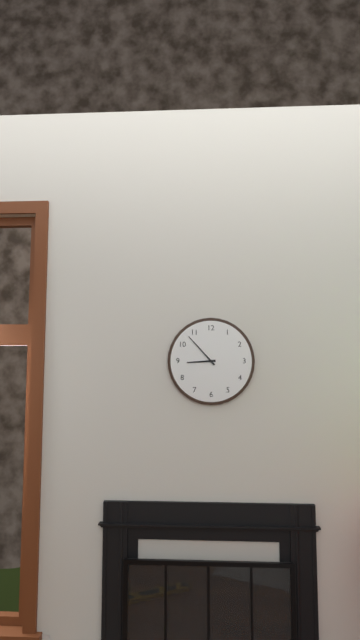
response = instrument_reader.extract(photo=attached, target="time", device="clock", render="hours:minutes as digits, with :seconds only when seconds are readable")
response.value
8:53
